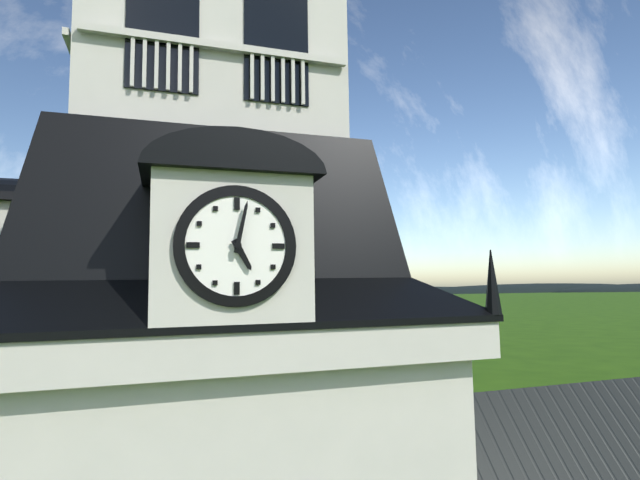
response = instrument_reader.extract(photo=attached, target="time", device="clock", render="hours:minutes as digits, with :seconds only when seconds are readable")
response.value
5:02
